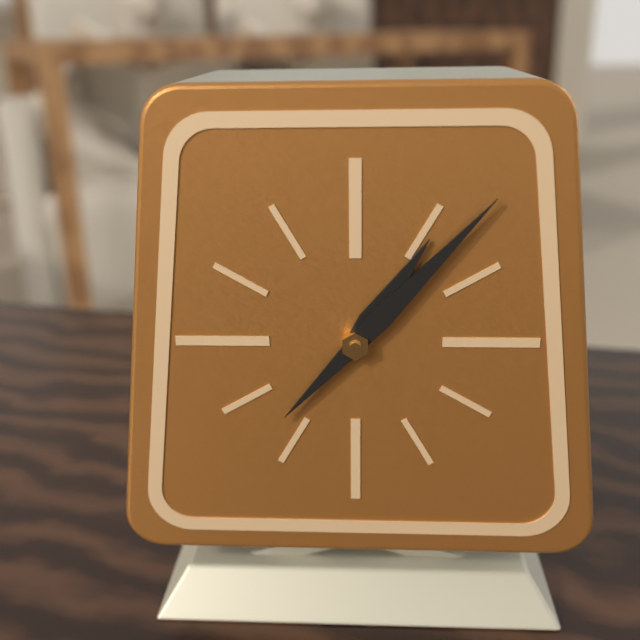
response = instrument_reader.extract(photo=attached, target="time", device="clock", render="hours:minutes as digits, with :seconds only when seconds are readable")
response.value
1:07
